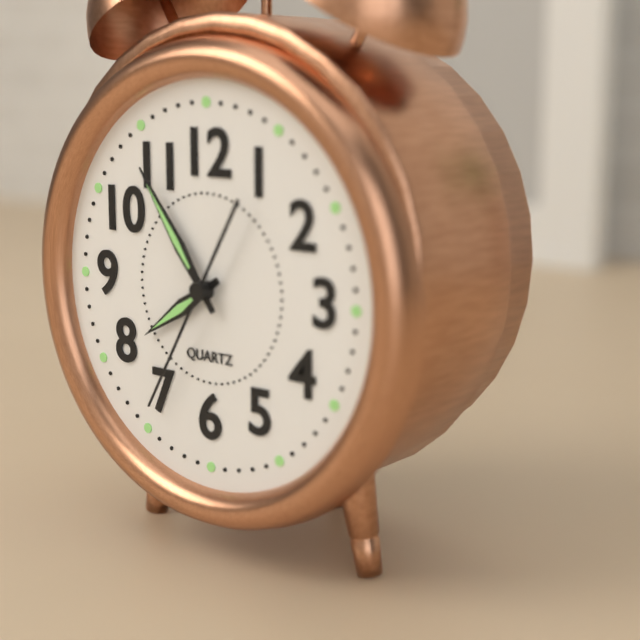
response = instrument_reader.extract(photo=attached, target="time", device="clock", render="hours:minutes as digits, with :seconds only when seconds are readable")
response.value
7:54:35
